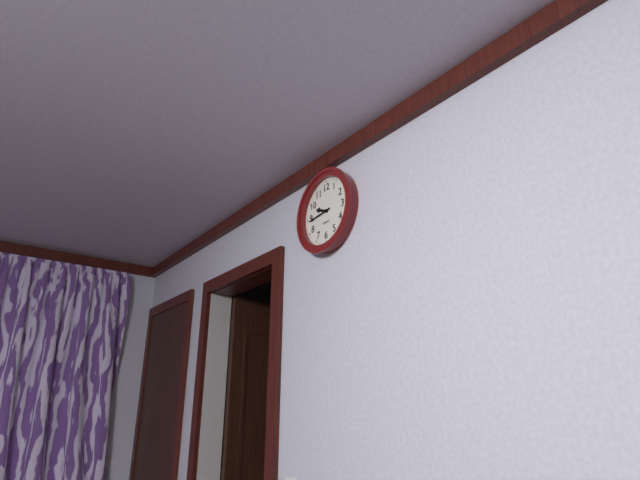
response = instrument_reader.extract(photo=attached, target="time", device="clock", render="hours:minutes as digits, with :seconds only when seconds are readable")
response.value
9:44
